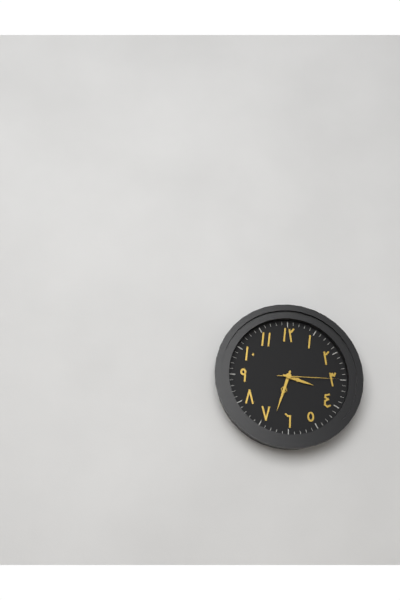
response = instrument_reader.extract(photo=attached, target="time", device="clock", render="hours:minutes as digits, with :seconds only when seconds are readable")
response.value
3:33:15
